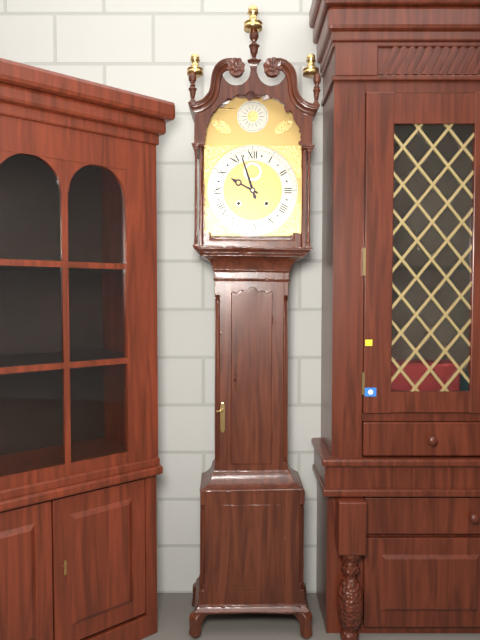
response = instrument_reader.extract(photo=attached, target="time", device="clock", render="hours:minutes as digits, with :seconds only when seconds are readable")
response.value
9:57
